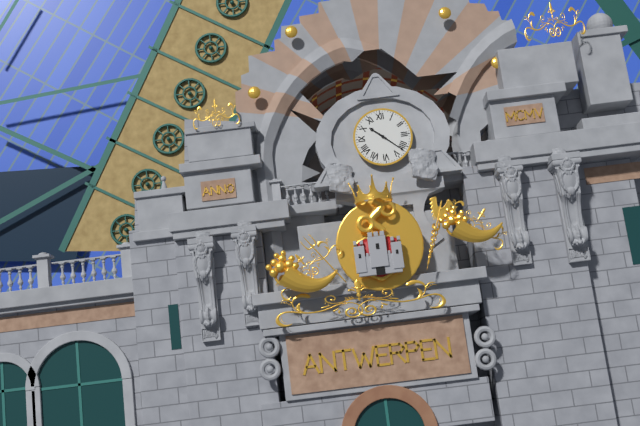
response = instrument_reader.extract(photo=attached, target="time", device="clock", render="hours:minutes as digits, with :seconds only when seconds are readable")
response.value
10:22
